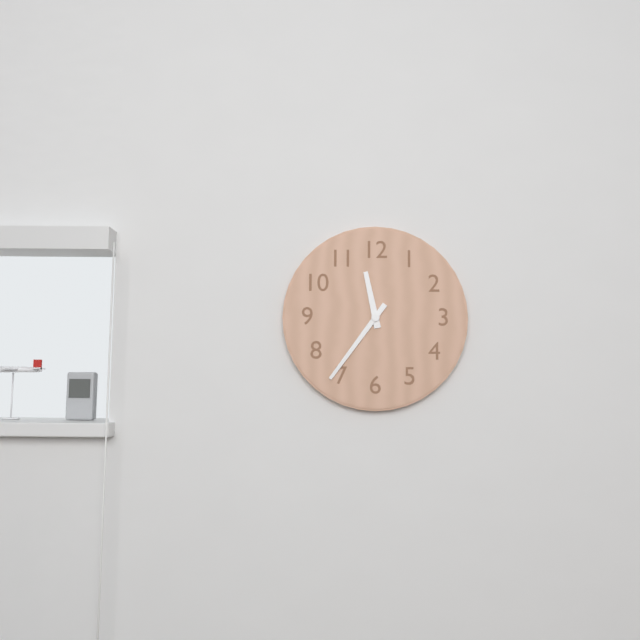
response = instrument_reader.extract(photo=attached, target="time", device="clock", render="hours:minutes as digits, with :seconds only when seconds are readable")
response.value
11:36
